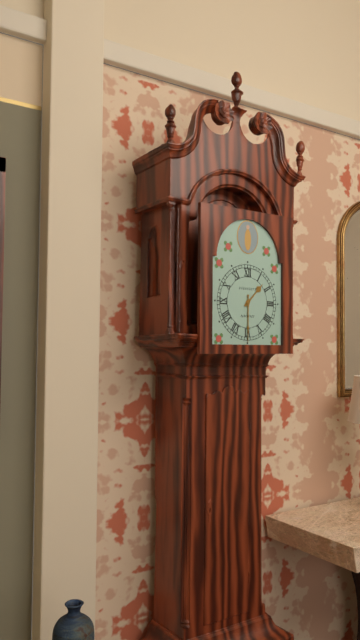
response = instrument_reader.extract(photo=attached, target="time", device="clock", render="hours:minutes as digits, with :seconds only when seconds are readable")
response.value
1:30
